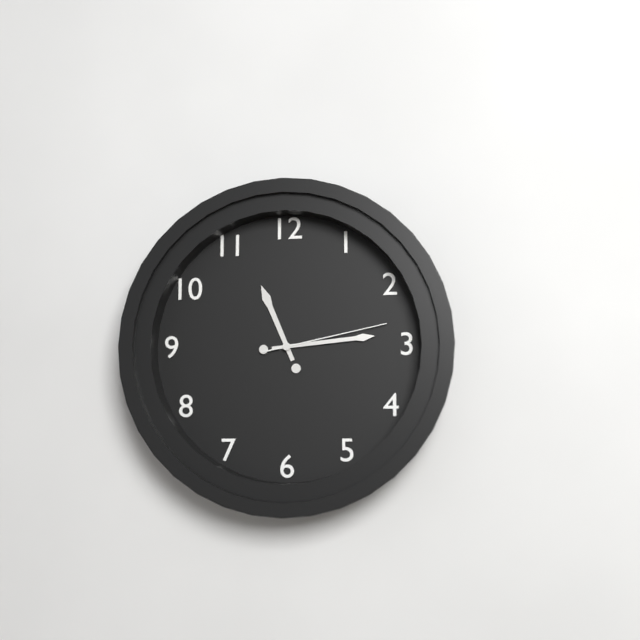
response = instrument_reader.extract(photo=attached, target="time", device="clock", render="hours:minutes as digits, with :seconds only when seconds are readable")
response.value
11:14:13
